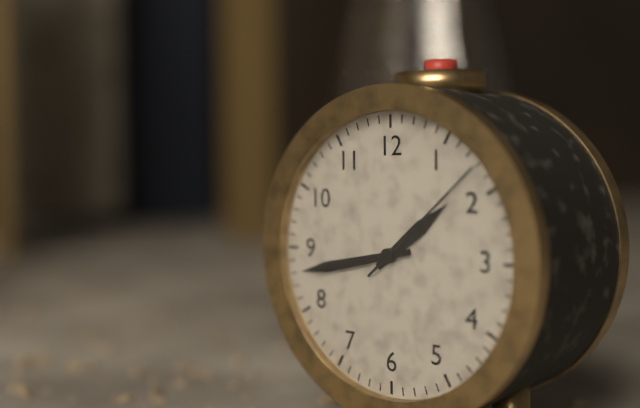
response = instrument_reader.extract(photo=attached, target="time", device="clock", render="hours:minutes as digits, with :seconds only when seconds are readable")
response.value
1:43:08
